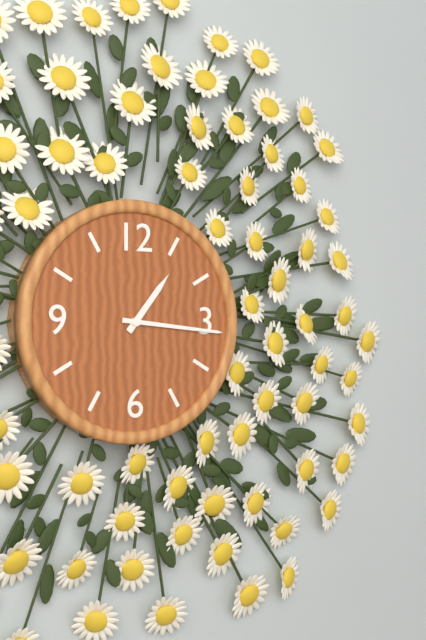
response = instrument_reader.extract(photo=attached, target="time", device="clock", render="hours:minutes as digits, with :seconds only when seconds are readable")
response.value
1:16
